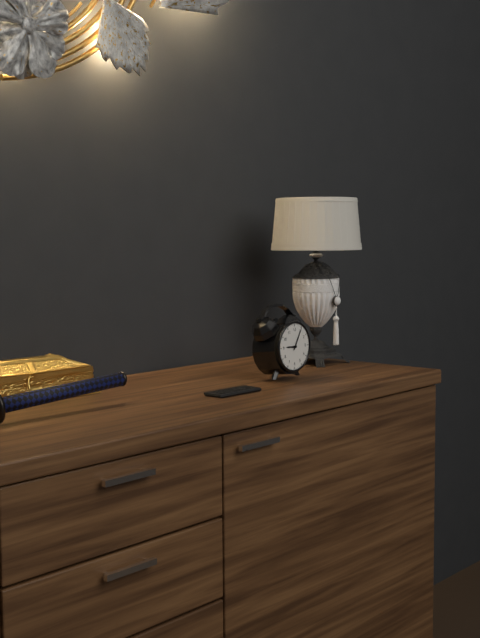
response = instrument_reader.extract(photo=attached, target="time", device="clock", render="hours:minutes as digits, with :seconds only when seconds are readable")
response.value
9:05
